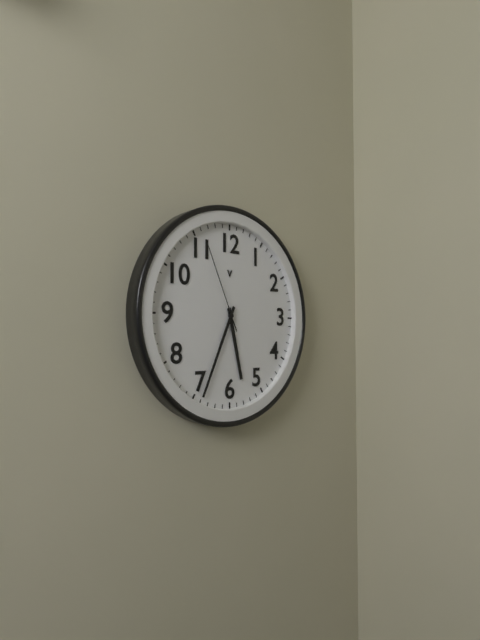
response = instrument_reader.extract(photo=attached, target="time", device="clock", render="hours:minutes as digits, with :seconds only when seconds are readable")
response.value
5:34:56
